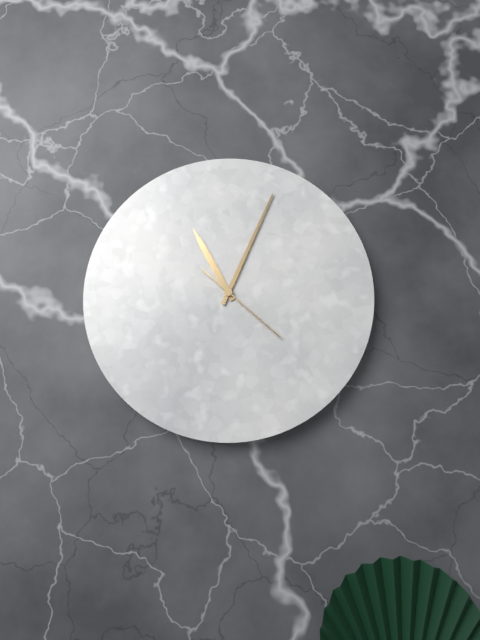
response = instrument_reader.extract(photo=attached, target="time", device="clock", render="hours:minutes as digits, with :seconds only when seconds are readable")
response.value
11:04:22
